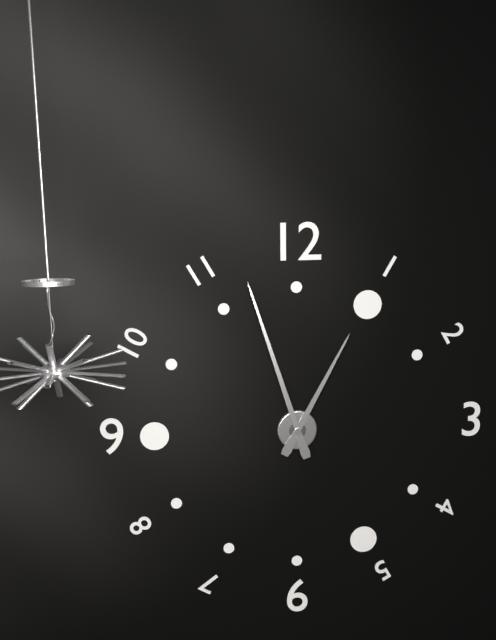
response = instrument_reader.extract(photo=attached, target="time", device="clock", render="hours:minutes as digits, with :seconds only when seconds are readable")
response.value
12:57
